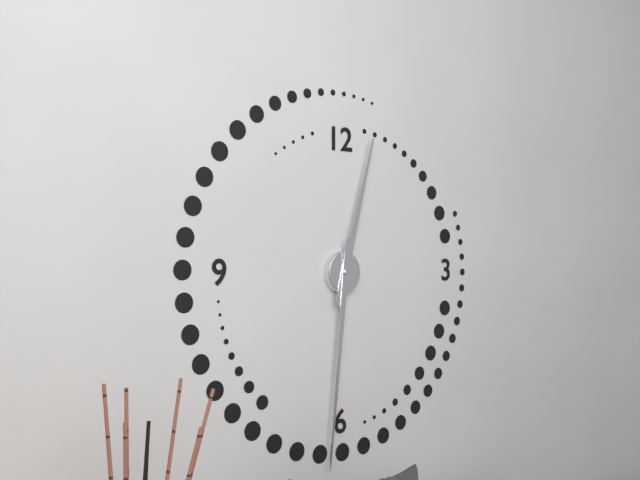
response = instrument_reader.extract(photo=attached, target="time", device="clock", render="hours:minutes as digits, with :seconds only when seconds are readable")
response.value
12:31
